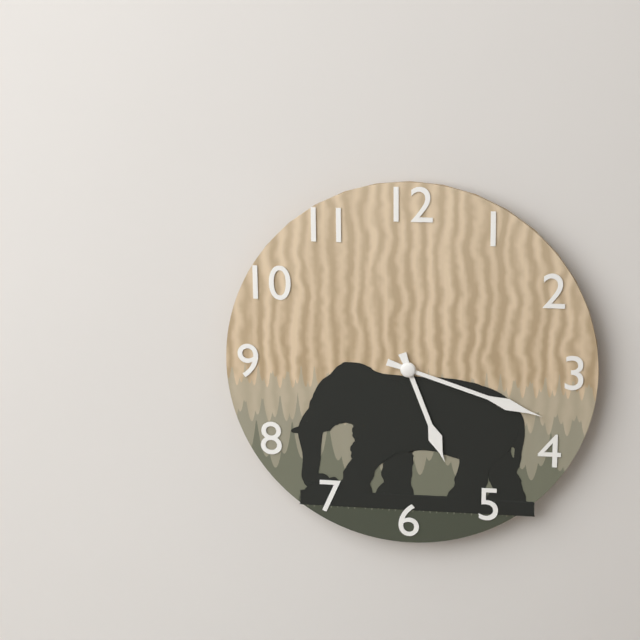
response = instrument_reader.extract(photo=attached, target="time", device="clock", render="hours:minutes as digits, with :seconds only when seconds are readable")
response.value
5:18
